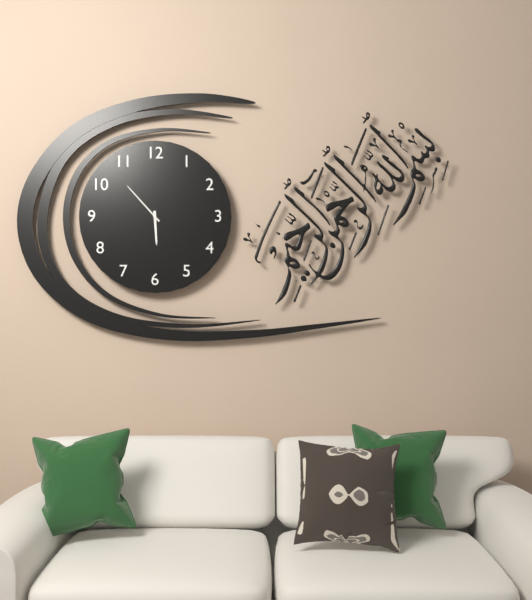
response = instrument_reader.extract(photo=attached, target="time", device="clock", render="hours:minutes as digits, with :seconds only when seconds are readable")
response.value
5:53
